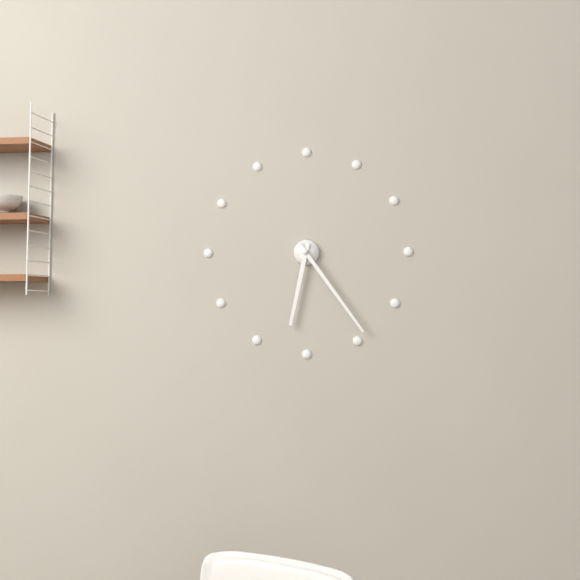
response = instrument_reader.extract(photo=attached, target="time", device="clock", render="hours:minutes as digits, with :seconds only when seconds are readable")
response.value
6:24
